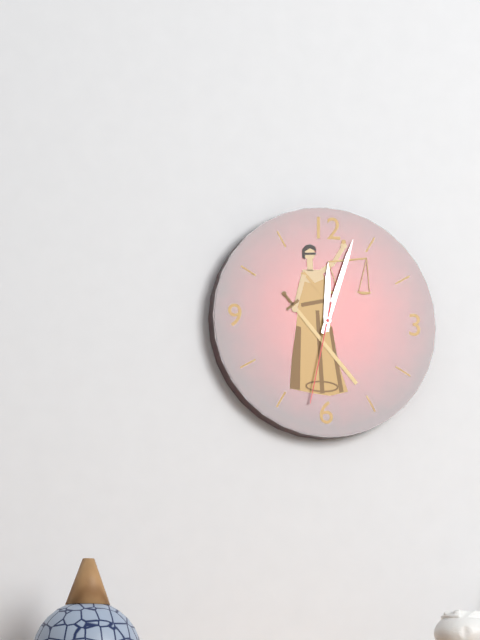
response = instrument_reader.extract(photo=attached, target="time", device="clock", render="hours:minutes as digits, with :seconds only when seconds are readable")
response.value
12:03:32
